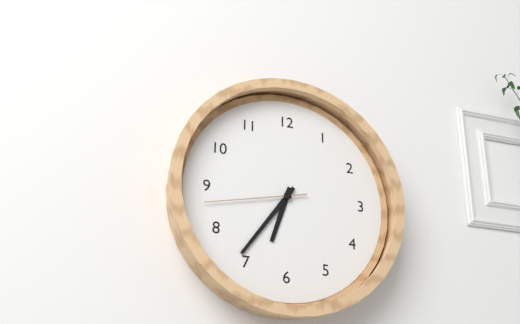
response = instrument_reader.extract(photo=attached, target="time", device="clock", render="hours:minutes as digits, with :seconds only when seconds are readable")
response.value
6:36:43
